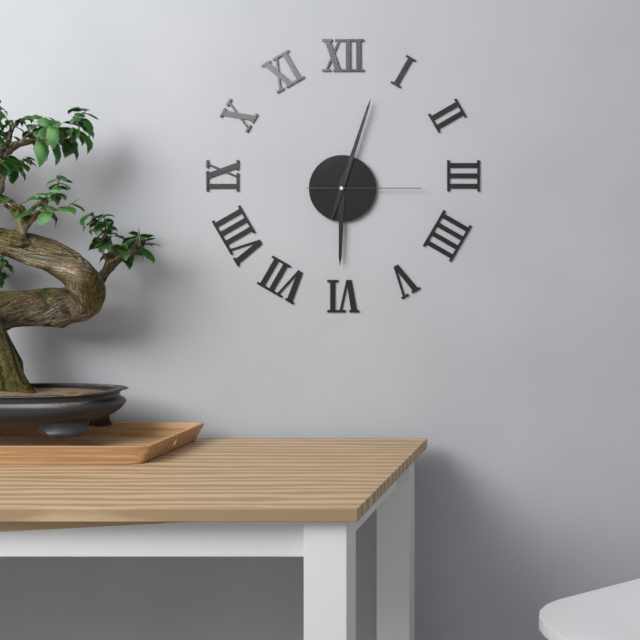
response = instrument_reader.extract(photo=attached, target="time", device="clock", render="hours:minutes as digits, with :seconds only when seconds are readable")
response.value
6:03:15
